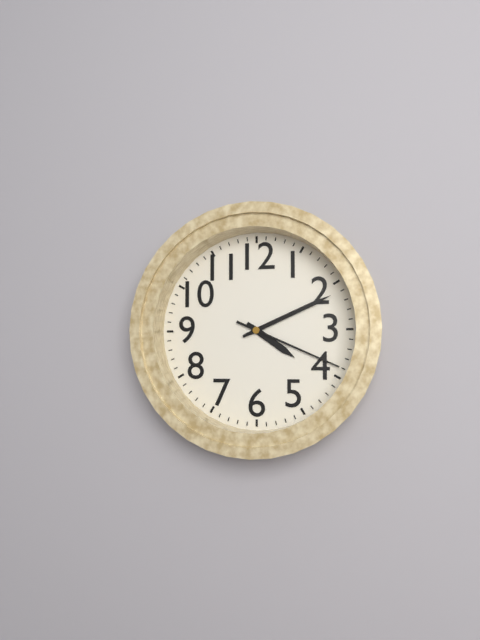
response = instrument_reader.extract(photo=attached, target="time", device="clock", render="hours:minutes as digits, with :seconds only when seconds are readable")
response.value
4:11:19
